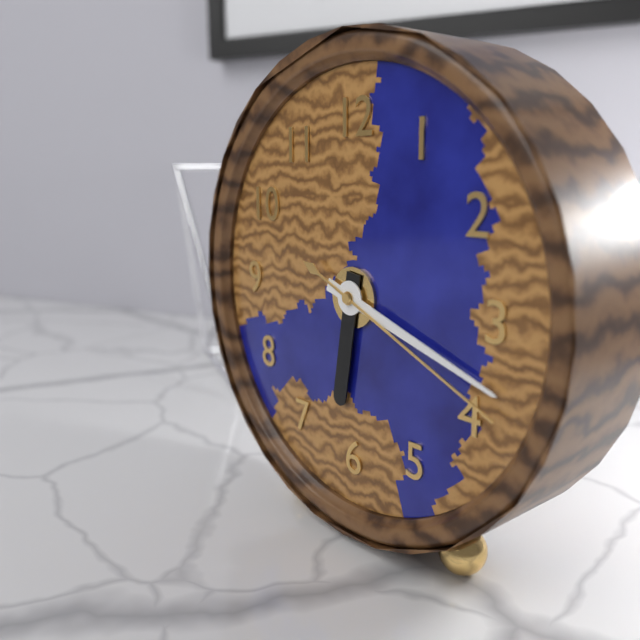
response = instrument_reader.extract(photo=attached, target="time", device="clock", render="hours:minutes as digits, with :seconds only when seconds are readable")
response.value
6:18:19
